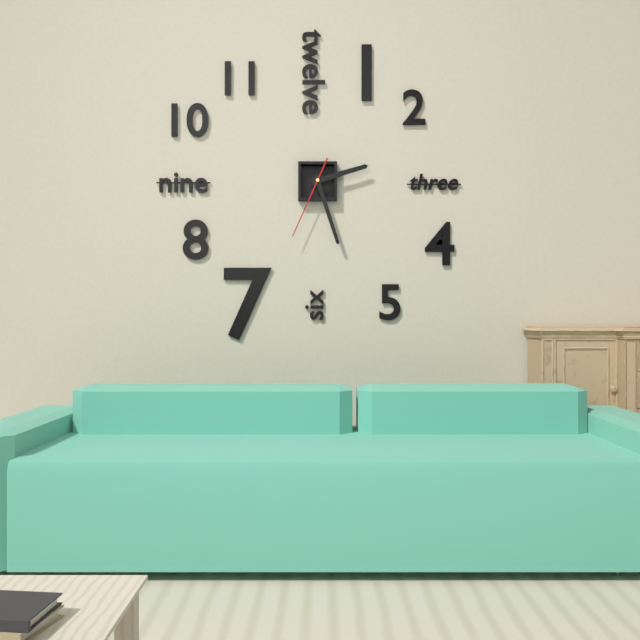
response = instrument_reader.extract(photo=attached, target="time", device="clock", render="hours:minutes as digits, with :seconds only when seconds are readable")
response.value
2:27:34
